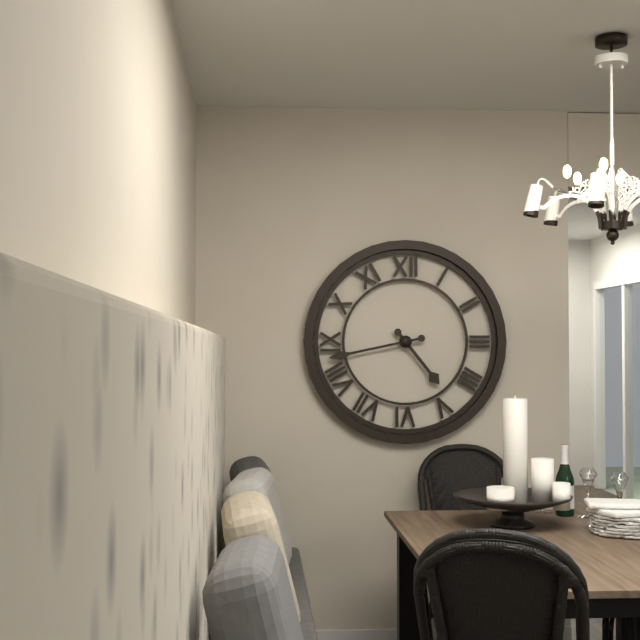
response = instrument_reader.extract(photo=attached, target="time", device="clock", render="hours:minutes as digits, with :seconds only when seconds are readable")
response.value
4:43
